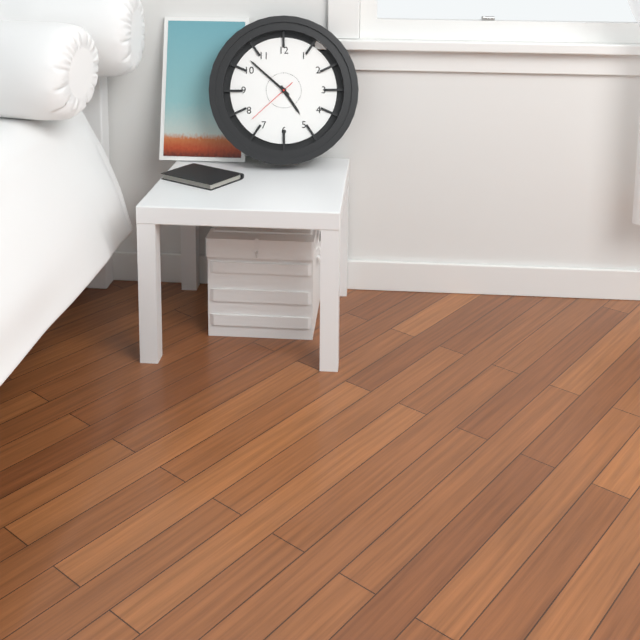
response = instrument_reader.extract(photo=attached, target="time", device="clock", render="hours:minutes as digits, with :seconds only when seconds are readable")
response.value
4:52:38
